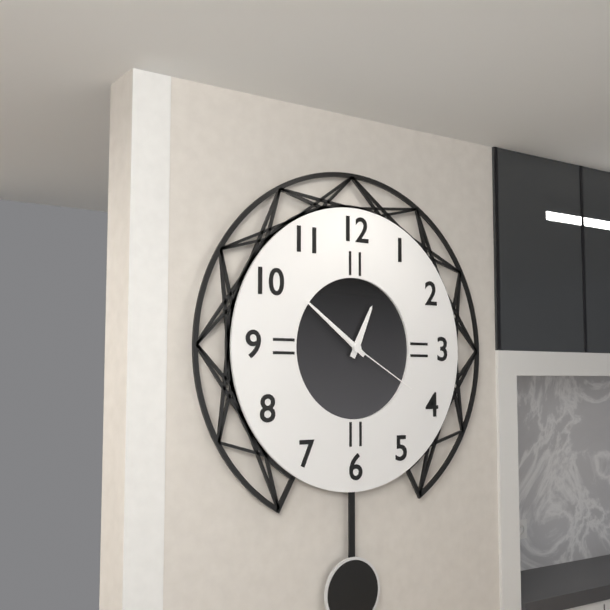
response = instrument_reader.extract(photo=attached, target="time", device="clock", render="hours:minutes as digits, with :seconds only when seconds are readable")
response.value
12:51:20
